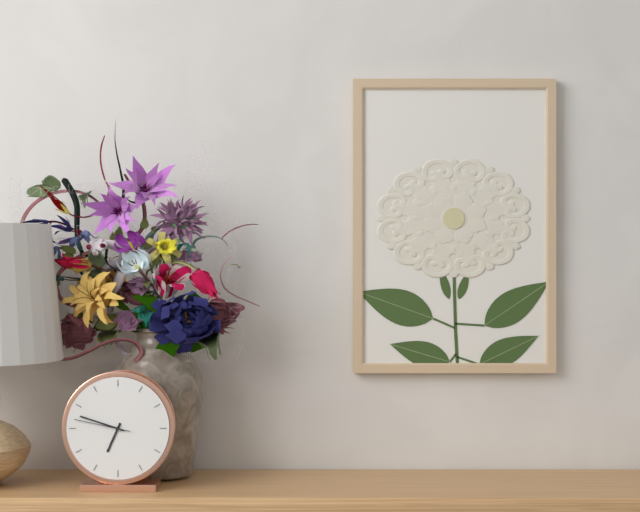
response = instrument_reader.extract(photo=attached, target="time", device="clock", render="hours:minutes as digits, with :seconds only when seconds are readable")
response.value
6:48:47
